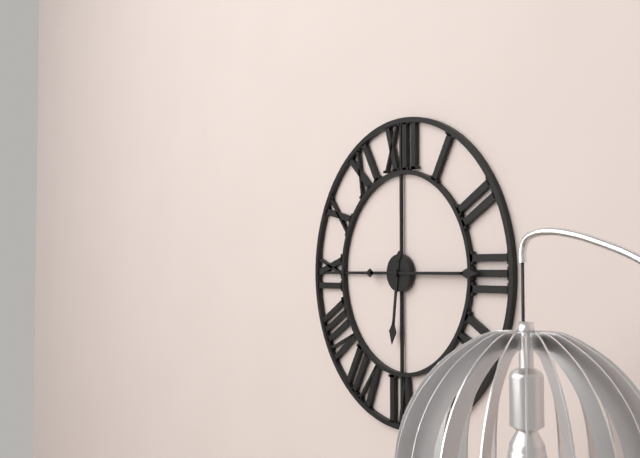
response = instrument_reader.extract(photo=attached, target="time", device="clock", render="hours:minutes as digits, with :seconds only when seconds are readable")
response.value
6:15
